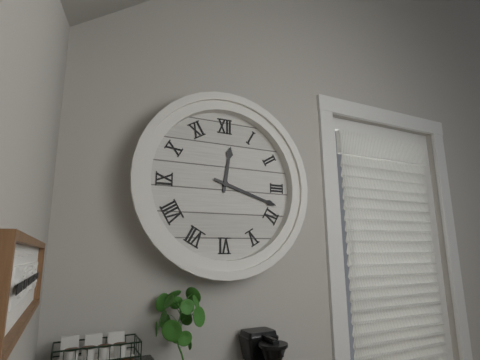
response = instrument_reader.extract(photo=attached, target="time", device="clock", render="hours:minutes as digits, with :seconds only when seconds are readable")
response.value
12:18
